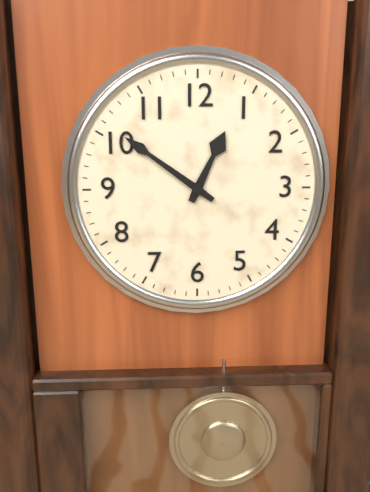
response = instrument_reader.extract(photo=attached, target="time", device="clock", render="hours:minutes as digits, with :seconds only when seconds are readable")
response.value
12:51
